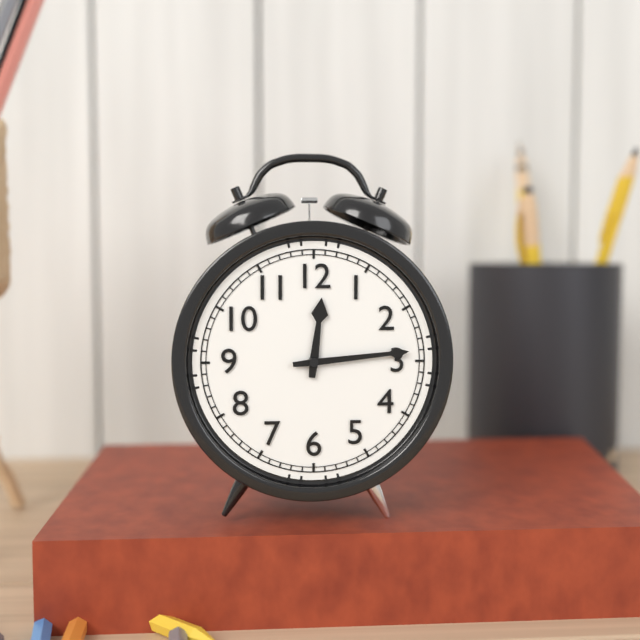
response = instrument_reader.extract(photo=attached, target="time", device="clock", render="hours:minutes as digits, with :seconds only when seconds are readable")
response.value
12:14
